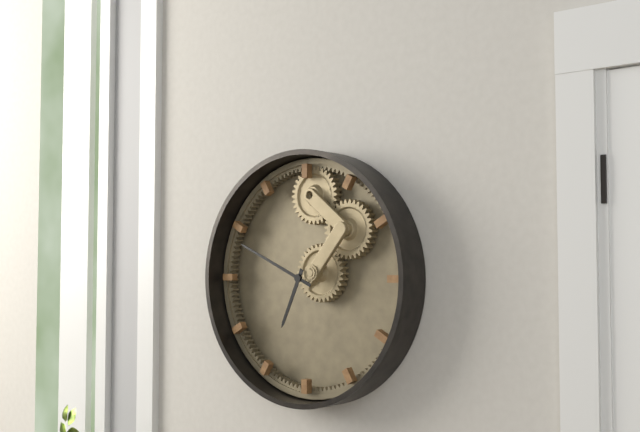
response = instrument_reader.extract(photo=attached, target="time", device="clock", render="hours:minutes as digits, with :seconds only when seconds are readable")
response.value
6:49
